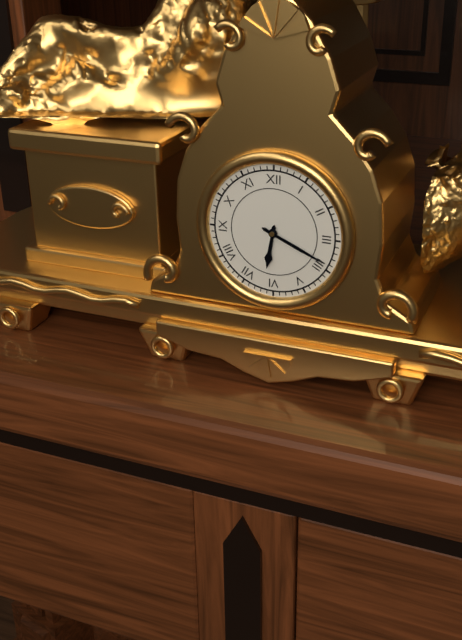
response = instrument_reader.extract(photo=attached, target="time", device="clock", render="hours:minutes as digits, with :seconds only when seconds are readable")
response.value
6:19
